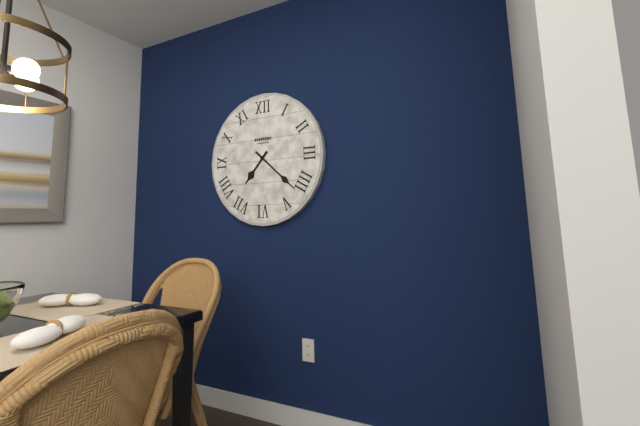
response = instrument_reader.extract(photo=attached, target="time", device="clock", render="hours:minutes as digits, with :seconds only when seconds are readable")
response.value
7:22
